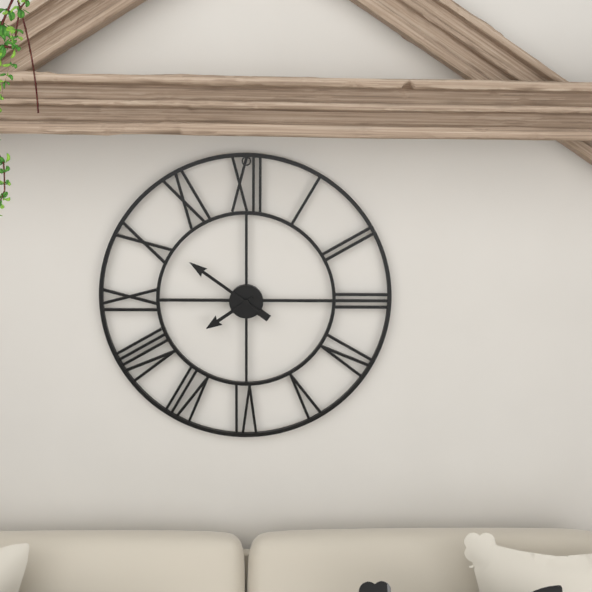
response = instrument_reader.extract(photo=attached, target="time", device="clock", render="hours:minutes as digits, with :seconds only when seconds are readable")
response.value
7:51
